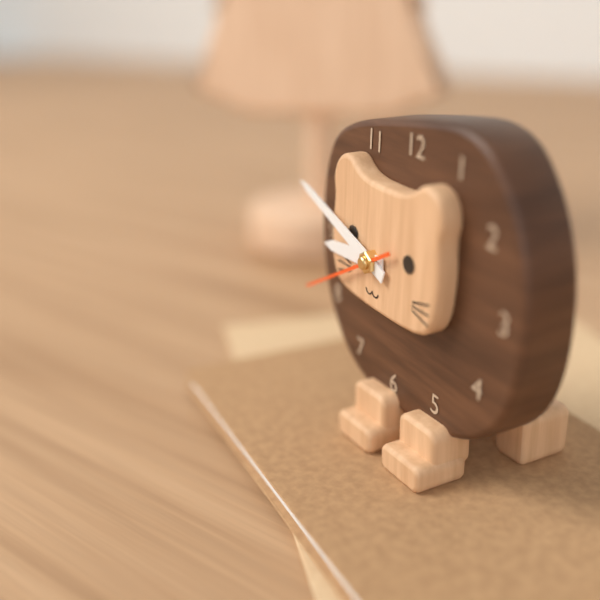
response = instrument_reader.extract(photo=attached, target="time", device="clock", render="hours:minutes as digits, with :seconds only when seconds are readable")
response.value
8:48:40
